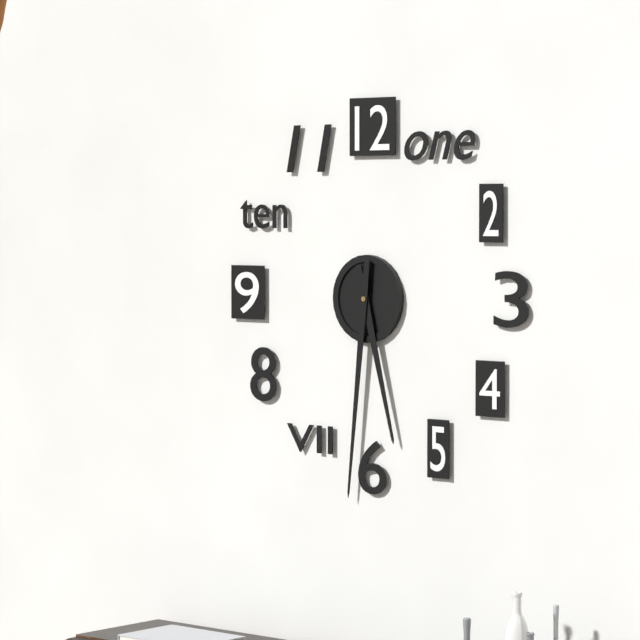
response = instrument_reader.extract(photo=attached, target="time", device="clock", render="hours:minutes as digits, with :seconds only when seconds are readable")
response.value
5:31
